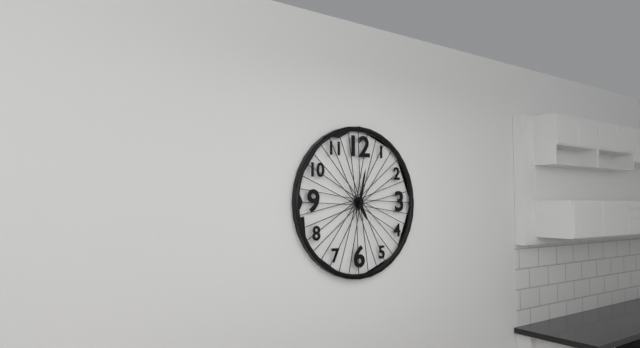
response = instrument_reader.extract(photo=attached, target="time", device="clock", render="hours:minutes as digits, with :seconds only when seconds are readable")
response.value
5:02
